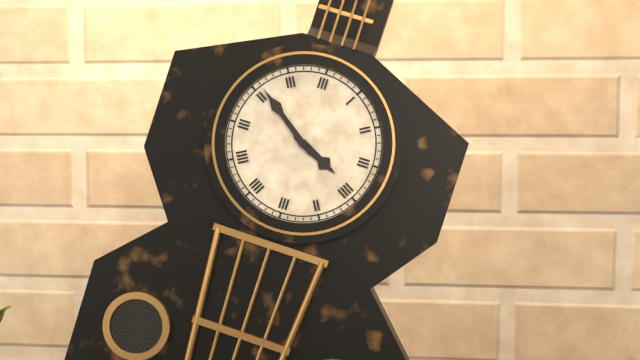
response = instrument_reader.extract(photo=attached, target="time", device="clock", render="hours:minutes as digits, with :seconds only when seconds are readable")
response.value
3:51
